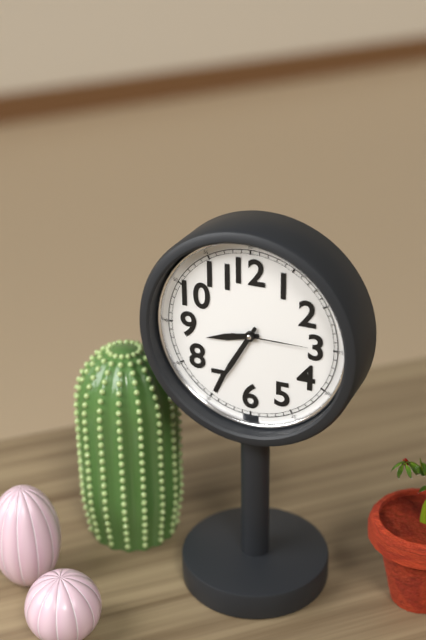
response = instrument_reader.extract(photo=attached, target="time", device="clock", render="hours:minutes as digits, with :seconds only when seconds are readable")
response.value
8:35:15
